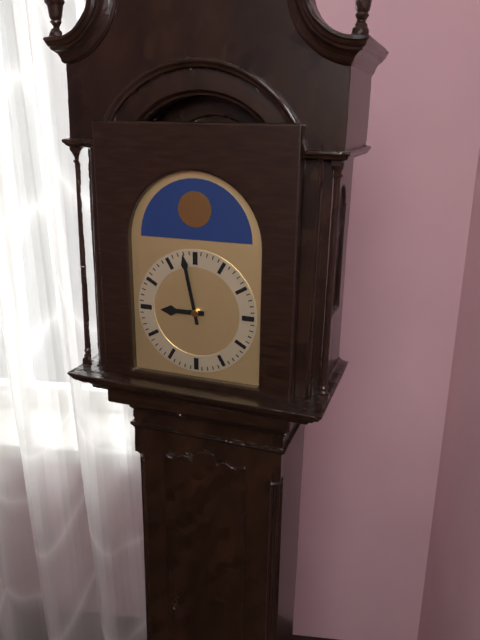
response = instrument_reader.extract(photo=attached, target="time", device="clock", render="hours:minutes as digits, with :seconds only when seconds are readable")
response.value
8:58
